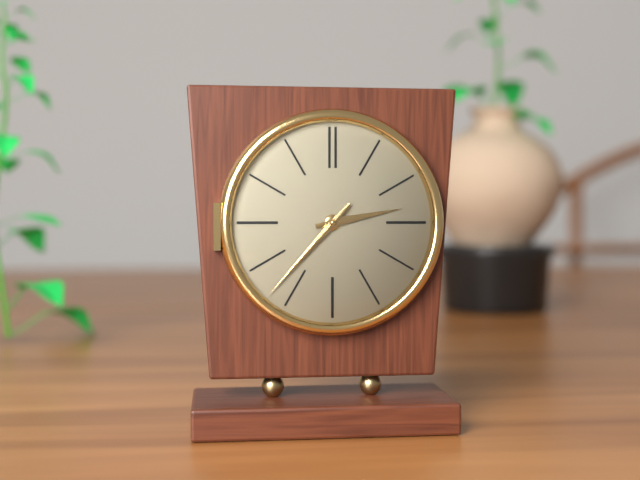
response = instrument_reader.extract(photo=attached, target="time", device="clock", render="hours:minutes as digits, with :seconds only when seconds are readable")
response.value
2:37
